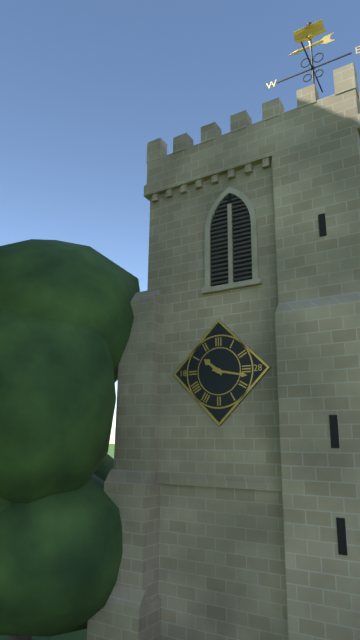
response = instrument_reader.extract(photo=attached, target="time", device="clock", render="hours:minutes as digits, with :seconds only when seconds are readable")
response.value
10:17
